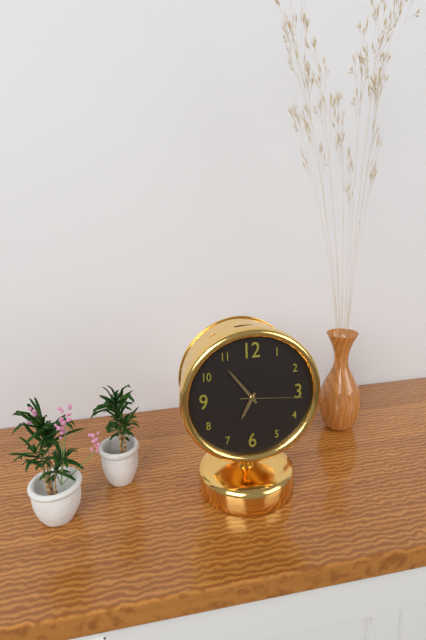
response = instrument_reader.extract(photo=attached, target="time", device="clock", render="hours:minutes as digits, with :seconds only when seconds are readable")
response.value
6:54:16
